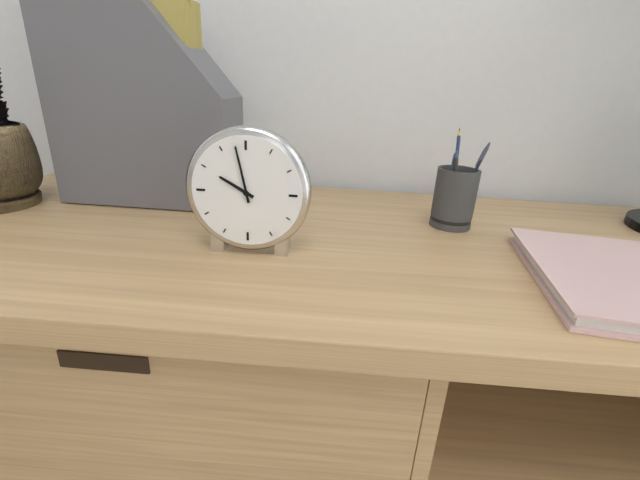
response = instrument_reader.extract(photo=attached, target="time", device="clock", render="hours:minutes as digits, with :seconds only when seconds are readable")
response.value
9:58
